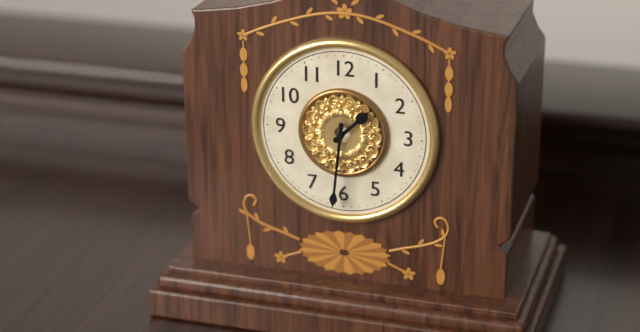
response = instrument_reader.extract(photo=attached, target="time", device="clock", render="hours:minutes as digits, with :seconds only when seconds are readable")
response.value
1:31
